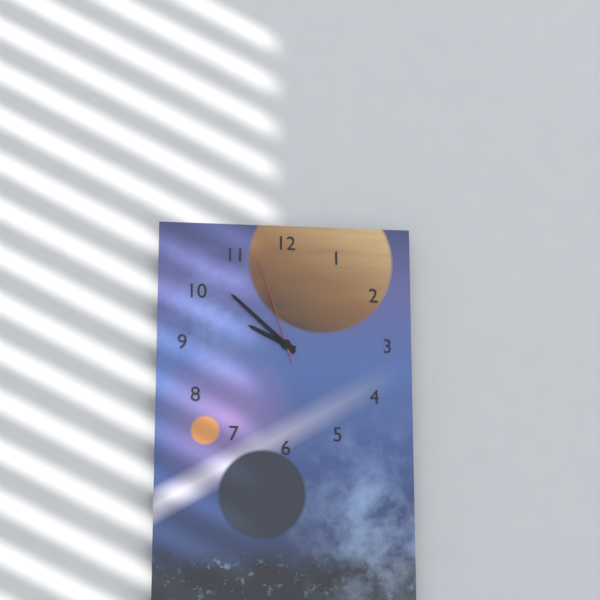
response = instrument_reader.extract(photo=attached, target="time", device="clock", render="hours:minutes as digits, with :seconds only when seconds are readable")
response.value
9:52:57
